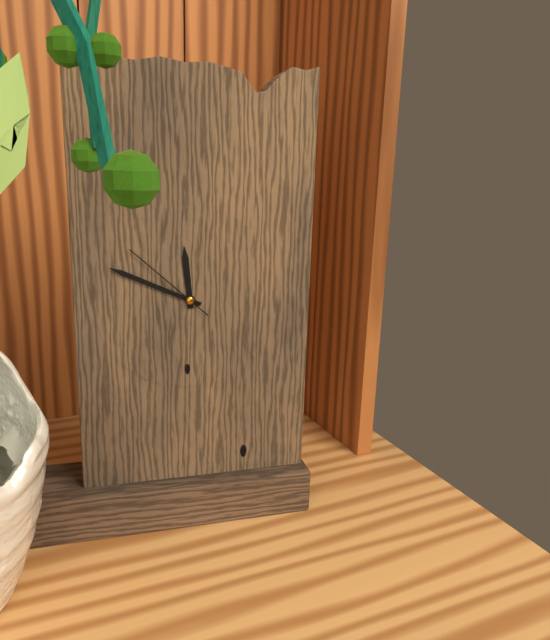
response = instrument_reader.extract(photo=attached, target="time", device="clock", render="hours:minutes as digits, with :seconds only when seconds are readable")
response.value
11:49:52
